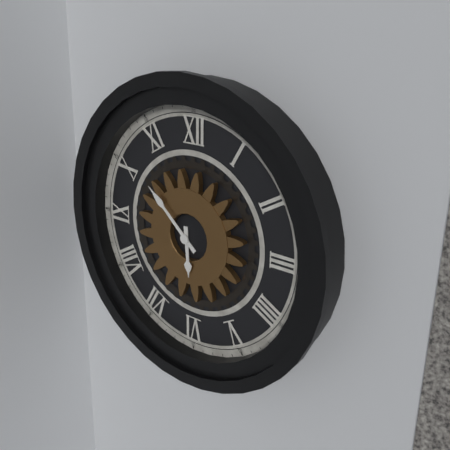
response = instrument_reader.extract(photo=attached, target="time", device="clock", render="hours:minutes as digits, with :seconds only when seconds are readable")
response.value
5:52
